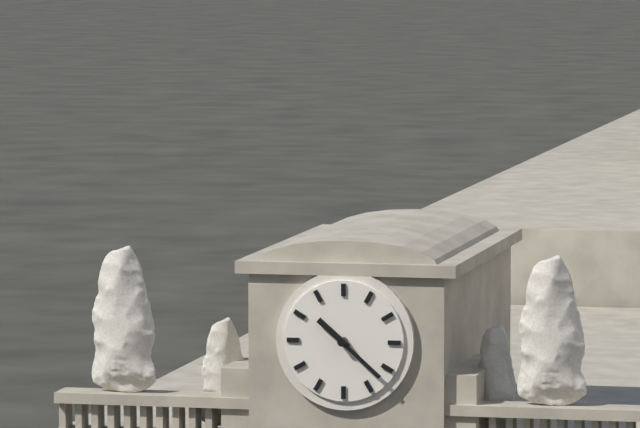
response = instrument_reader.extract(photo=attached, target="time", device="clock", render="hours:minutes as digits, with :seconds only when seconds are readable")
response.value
10:22
